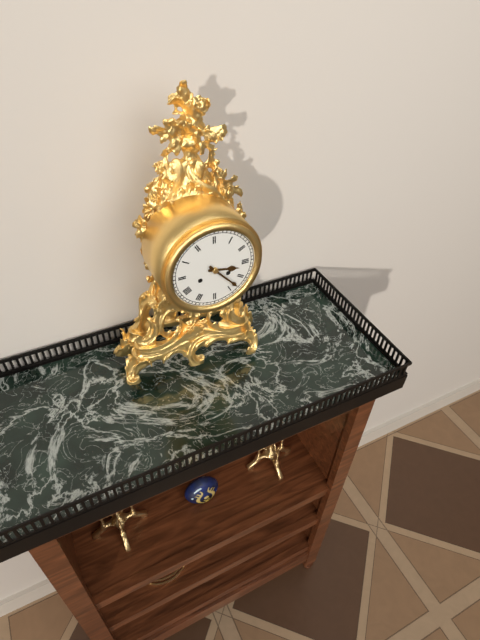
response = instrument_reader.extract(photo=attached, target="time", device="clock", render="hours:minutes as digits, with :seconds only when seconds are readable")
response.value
3:23
